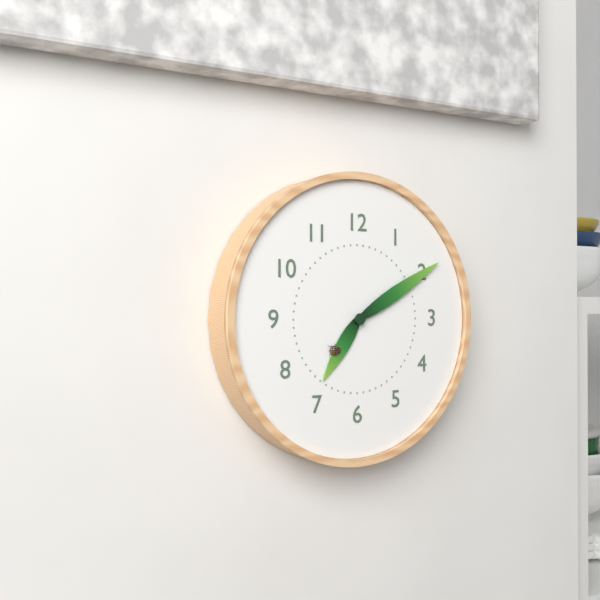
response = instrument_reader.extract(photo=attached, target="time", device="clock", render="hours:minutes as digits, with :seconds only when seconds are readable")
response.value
7:10
